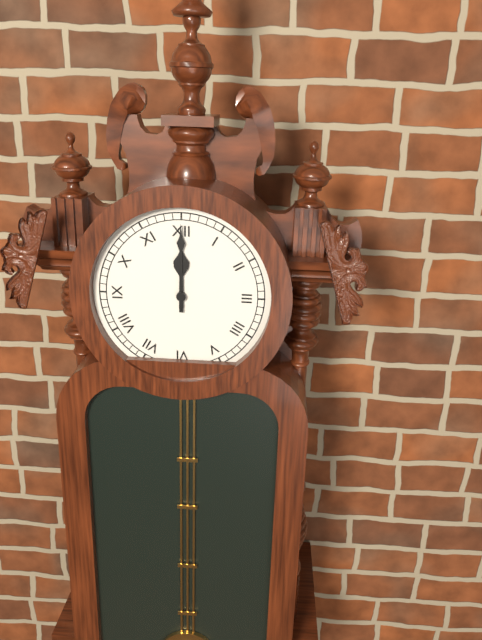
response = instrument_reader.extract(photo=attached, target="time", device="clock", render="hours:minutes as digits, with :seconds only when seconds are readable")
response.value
12:00
